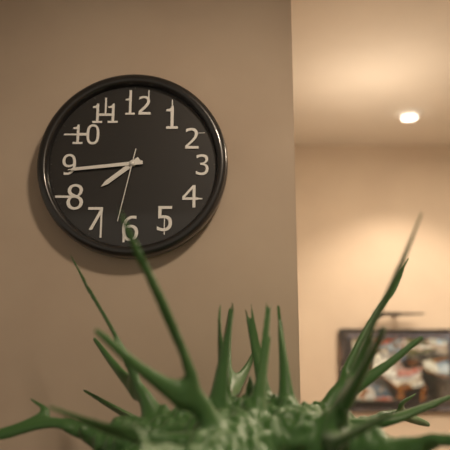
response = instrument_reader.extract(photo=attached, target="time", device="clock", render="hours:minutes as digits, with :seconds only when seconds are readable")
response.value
7:44:32
